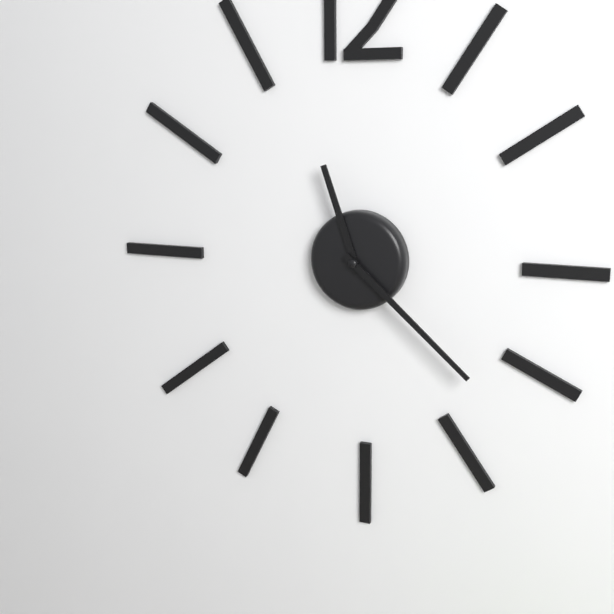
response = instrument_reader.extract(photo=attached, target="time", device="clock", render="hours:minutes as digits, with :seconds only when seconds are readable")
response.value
11:22
